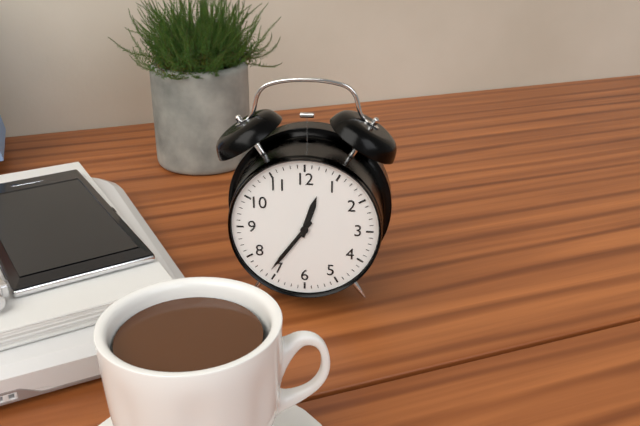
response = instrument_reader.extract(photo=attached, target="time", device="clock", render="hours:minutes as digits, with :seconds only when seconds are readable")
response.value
12:36
